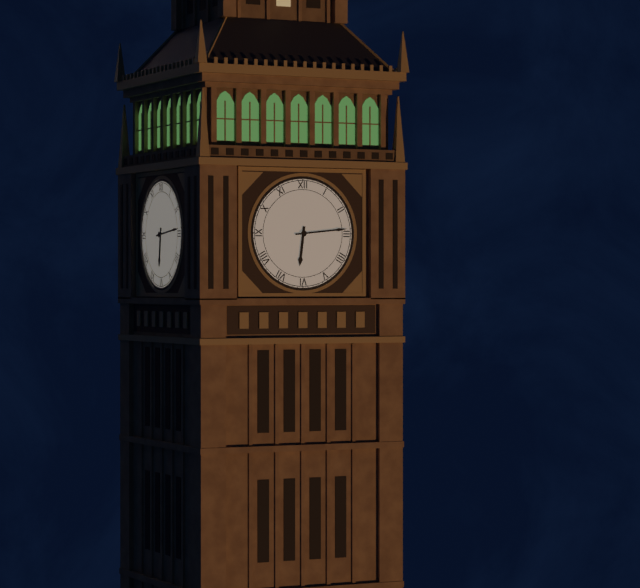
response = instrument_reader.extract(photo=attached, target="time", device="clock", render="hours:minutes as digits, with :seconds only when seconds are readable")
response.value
6:14
